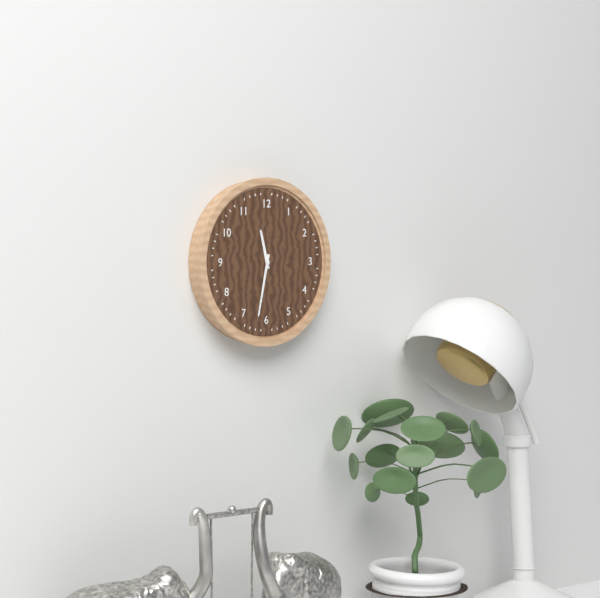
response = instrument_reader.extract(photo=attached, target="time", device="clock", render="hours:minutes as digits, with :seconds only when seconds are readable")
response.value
11:32
